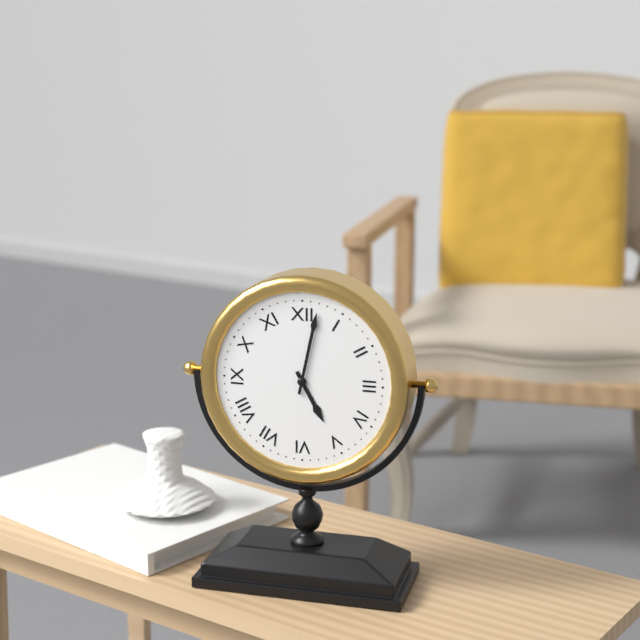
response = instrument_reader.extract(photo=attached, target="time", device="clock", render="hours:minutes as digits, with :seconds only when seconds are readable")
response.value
5:02
